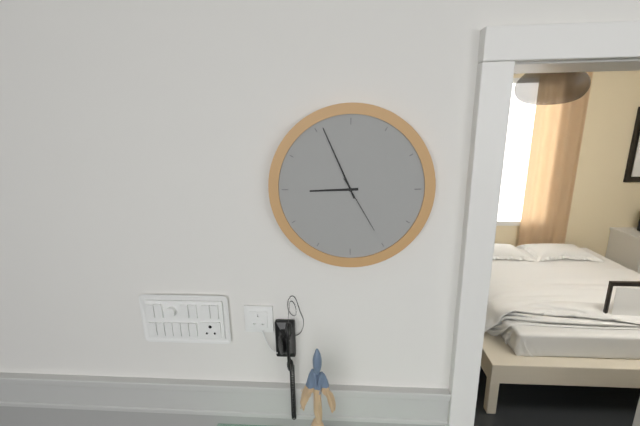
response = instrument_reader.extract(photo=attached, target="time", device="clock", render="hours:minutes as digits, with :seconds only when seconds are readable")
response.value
8:56:25
